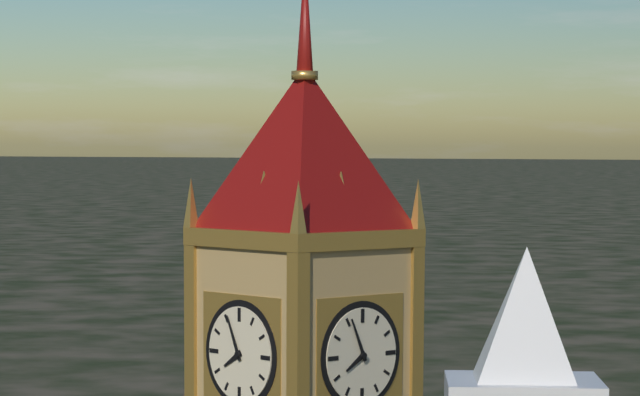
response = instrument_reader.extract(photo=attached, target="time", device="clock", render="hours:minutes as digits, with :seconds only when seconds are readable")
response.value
7:56
